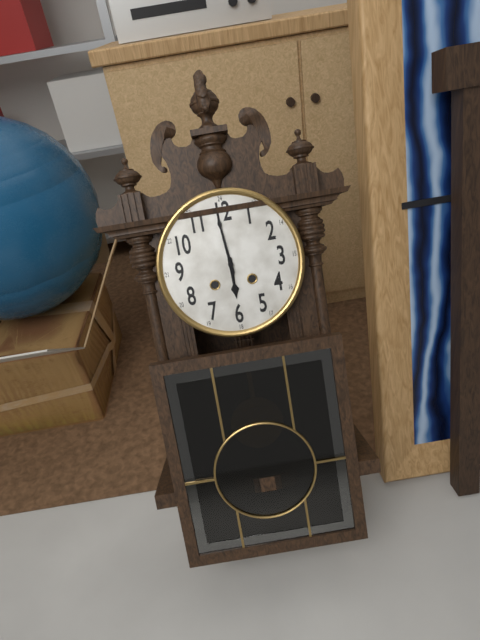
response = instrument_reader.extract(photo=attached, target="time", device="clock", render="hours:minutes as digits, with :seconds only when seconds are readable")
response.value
5:59
